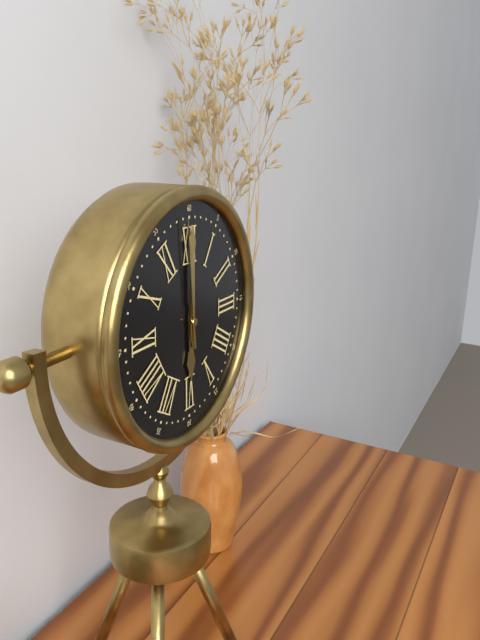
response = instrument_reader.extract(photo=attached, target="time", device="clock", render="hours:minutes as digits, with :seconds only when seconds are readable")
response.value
6:00:59
